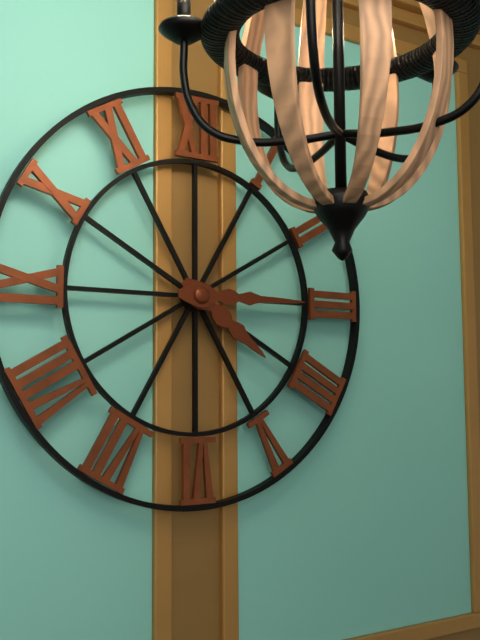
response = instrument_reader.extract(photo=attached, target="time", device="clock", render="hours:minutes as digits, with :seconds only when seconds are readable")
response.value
4:15
